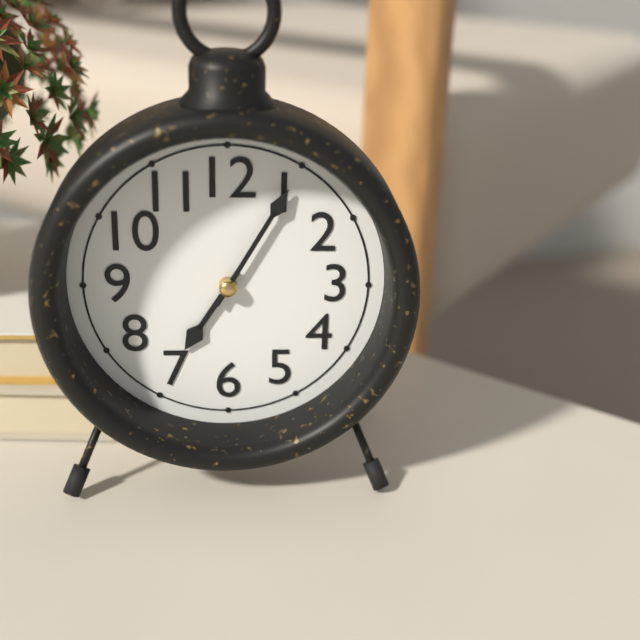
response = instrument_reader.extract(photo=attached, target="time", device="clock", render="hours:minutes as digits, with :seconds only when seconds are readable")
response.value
7:05
